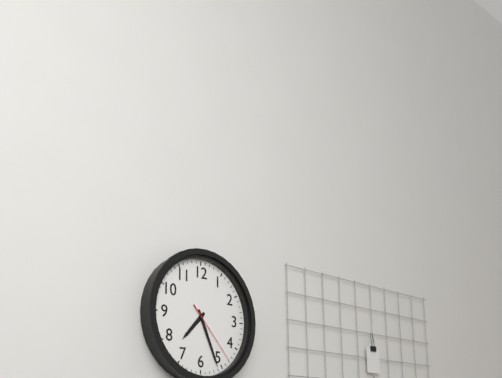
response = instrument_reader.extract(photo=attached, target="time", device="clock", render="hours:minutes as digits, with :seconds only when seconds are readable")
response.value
7:26:23
